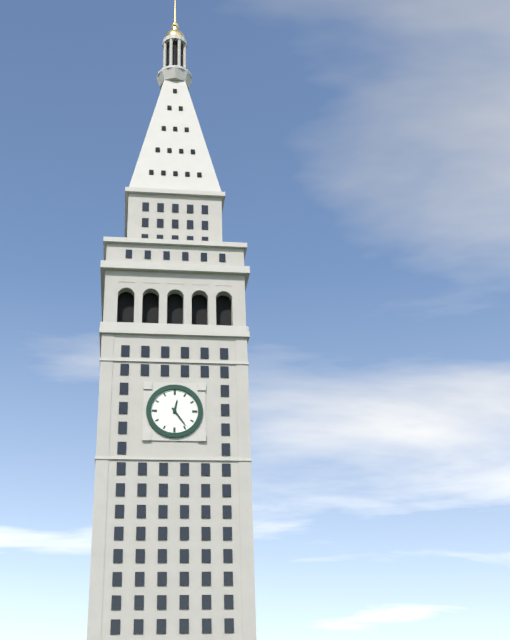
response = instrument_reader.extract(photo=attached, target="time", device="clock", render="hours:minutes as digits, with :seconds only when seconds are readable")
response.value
12:24
